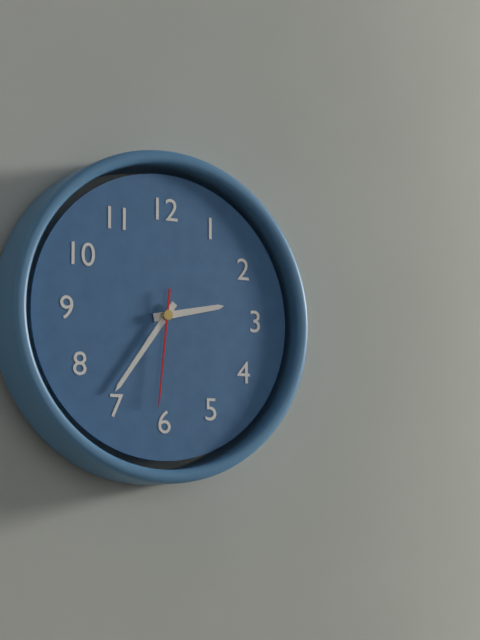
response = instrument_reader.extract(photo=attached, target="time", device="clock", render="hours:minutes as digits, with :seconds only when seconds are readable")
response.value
2:36:31
